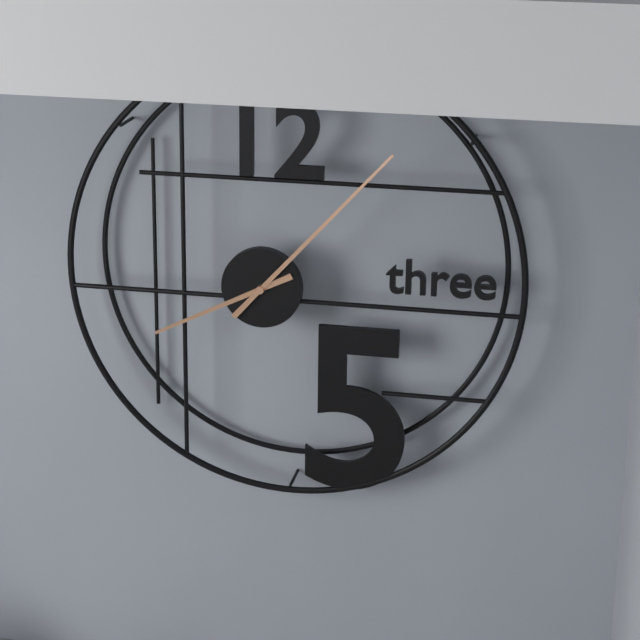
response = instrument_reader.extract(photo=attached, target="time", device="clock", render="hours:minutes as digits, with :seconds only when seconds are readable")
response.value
8:07
